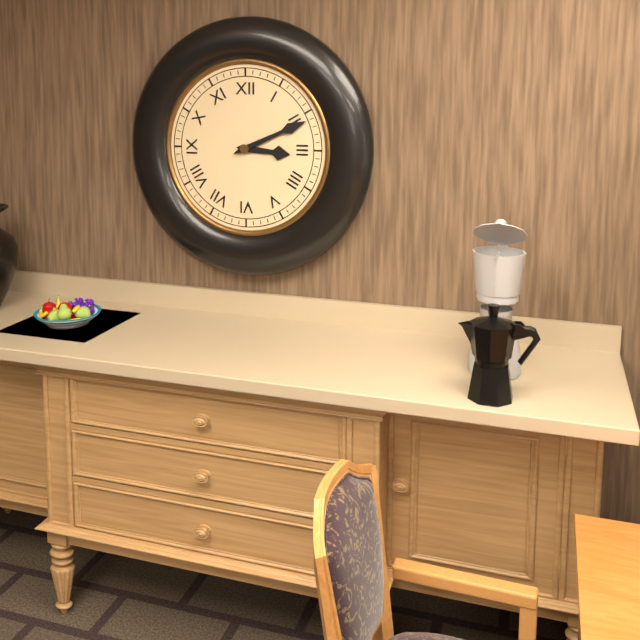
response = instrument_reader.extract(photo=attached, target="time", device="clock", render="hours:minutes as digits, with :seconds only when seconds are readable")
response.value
3:11
